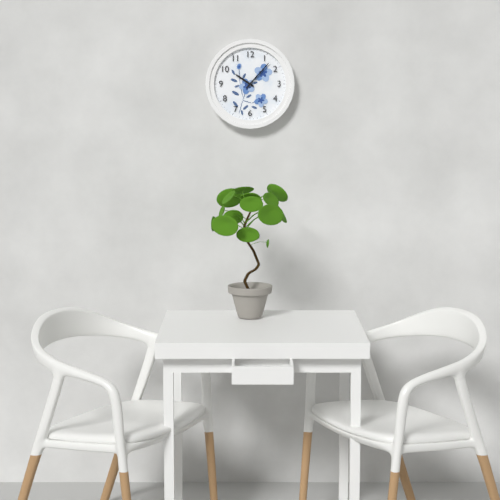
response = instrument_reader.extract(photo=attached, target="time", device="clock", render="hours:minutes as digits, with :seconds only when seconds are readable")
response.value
10:07
